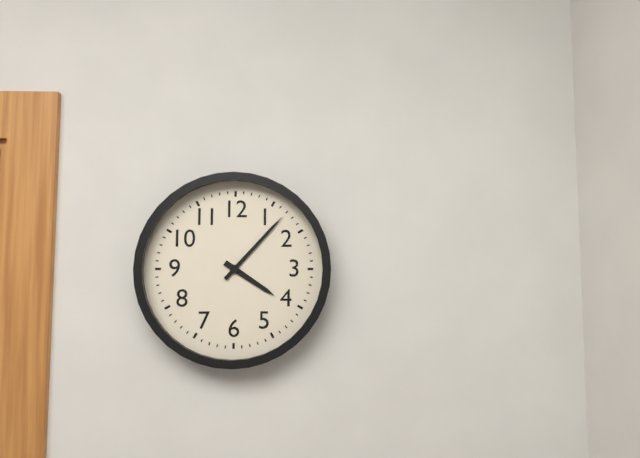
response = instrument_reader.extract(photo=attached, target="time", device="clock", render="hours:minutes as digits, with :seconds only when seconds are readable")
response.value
4:07
